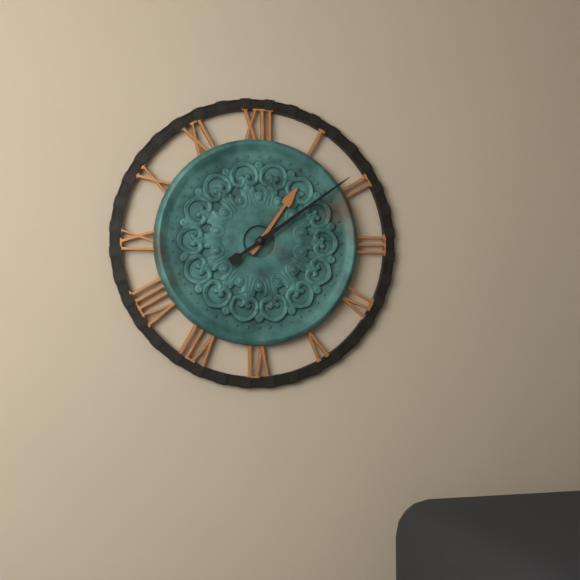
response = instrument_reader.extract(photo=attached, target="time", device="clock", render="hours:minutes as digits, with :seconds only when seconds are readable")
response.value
1:09
